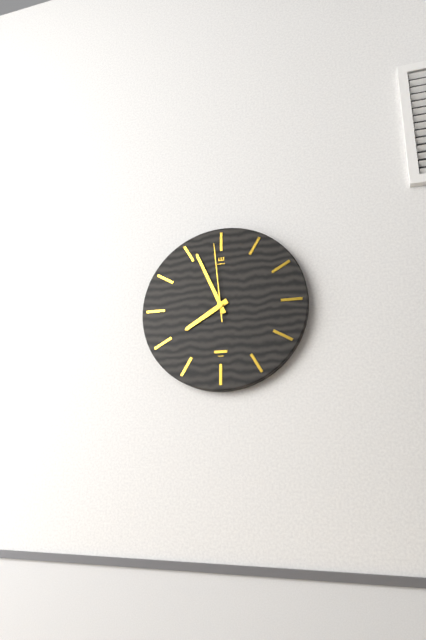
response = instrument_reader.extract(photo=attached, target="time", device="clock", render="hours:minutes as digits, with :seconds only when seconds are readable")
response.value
7:56:59
